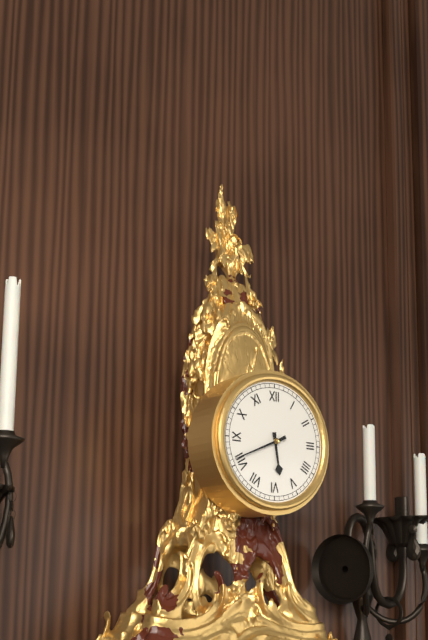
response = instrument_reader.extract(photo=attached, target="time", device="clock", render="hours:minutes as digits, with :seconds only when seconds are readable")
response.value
5:41
